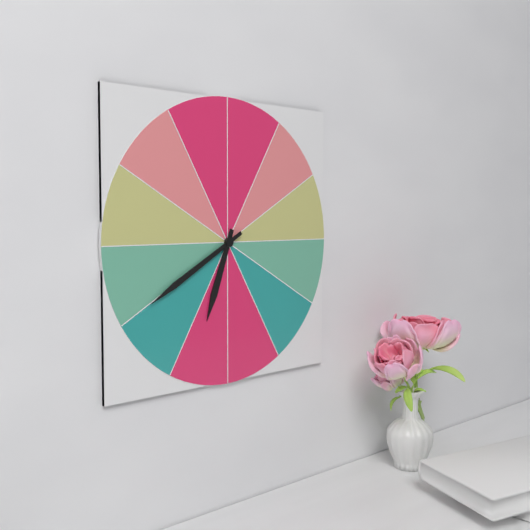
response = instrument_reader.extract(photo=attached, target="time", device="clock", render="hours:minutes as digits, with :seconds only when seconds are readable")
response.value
6:40
